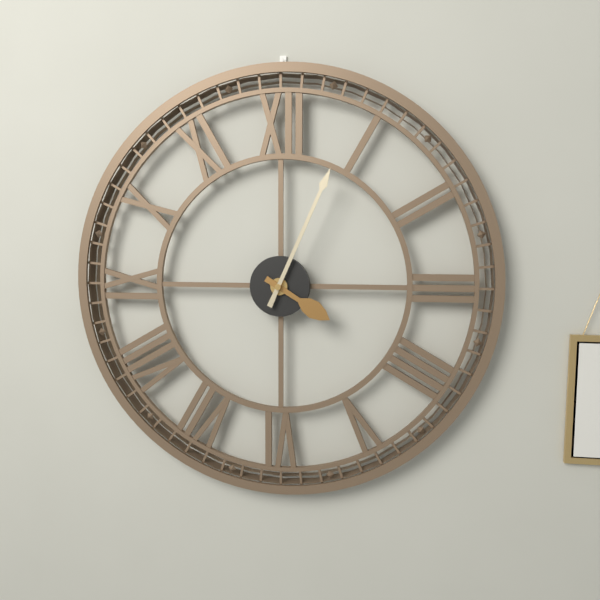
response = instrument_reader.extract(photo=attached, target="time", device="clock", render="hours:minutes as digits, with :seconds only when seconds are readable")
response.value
4:04
